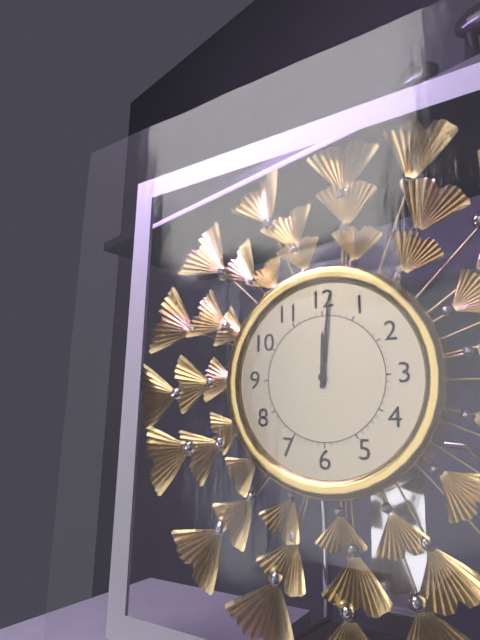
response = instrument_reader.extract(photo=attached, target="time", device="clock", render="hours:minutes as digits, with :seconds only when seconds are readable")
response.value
12:01
